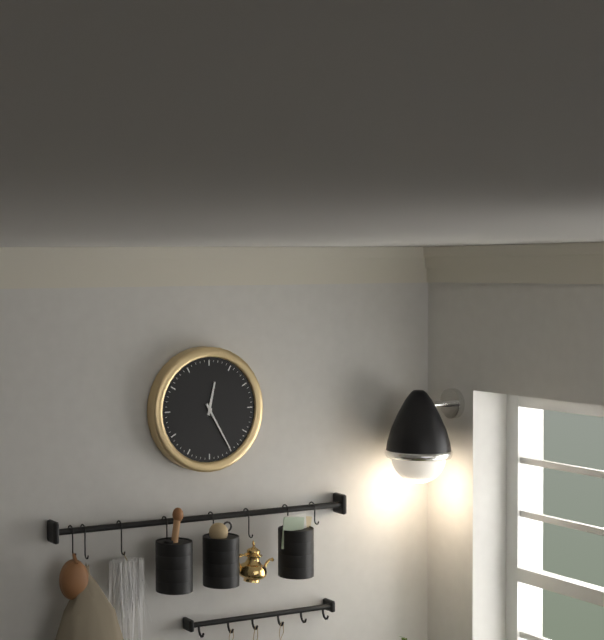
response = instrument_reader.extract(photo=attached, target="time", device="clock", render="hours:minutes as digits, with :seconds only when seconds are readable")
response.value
12:25
